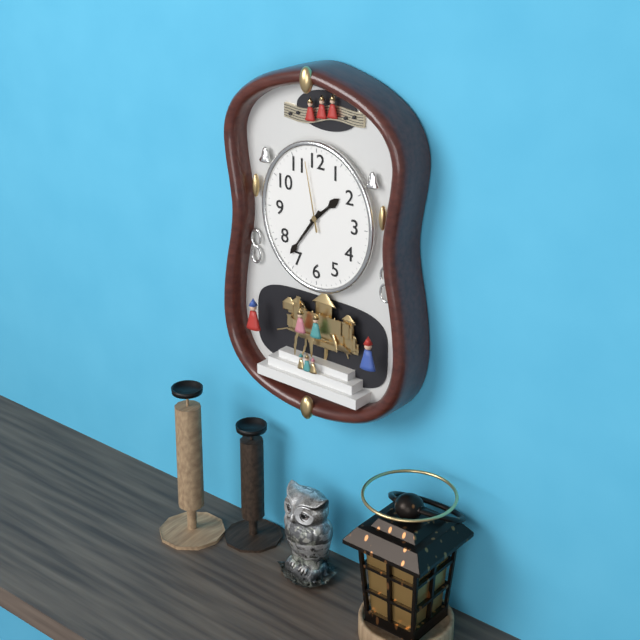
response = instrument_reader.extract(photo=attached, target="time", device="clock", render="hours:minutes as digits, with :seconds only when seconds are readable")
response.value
1:36:58
